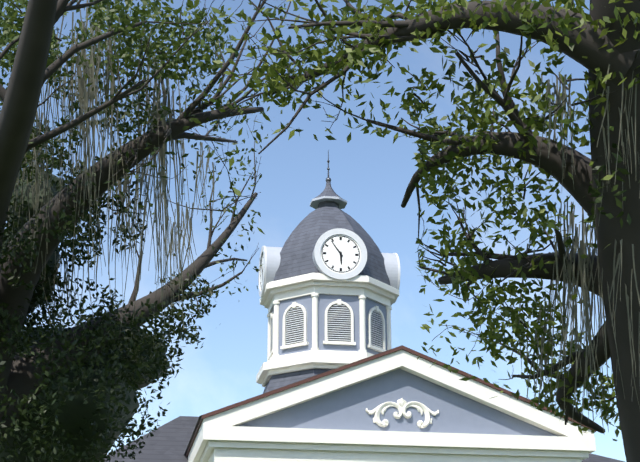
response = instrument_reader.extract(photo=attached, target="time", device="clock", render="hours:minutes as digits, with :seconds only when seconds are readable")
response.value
5:54
